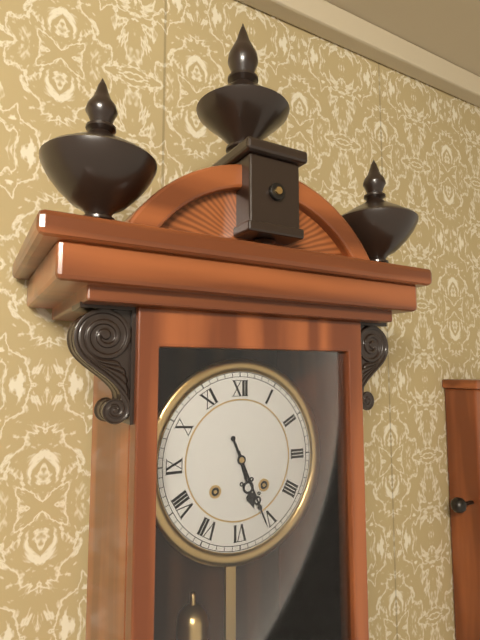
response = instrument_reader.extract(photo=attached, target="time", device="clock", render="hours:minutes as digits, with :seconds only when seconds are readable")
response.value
5:26
